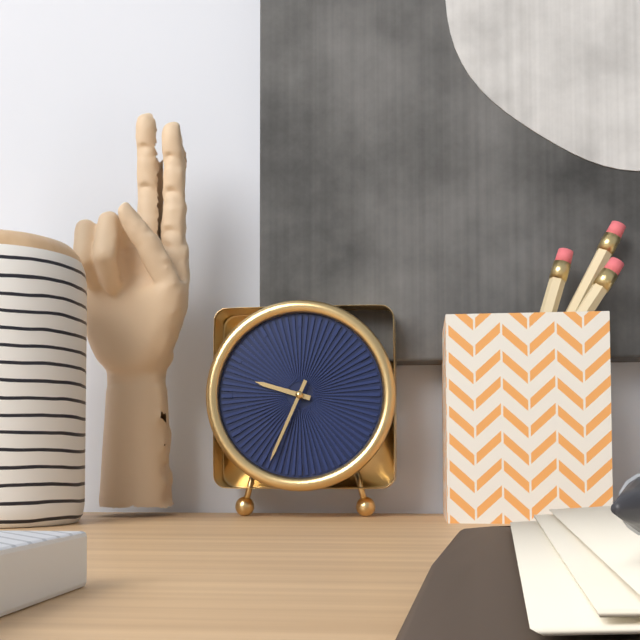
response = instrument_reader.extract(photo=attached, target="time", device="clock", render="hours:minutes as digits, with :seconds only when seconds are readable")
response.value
9:34
